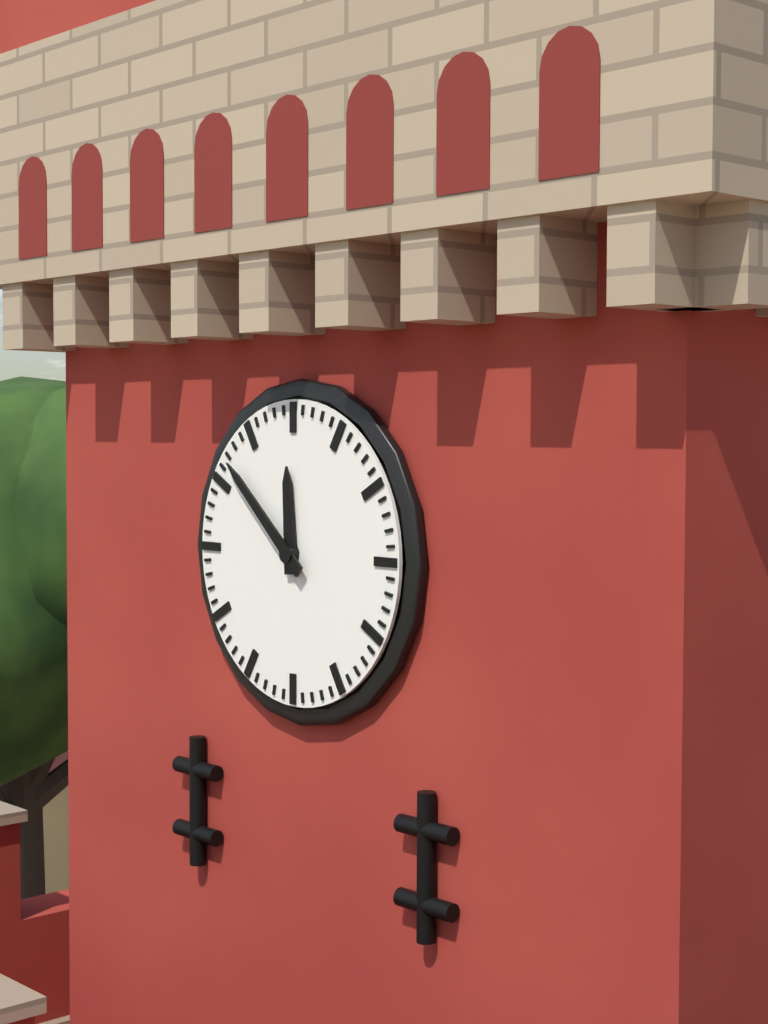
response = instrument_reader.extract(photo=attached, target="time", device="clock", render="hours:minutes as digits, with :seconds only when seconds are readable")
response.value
11:52
